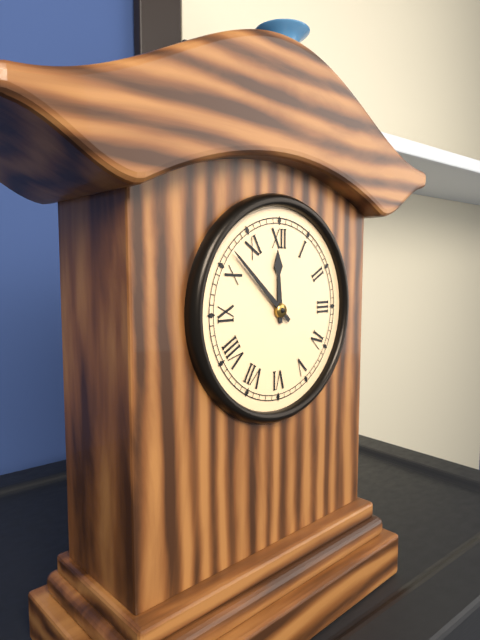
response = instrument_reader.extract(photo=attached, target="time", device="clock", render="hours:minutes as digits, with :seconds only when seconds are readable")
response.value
11:52
